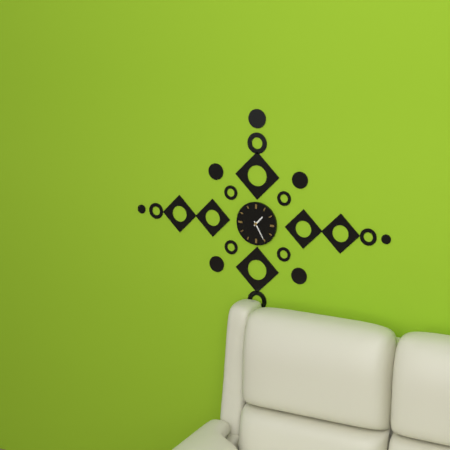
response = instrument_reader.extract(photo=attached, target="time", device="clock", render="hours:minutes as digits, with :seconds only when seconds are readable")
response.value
1:25
